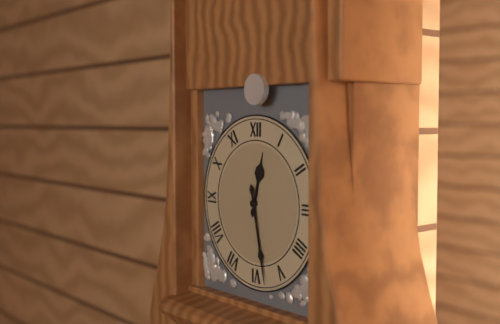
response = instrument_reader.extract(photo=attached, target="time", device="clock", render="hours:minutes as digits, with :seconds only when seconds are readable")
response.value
12:28
